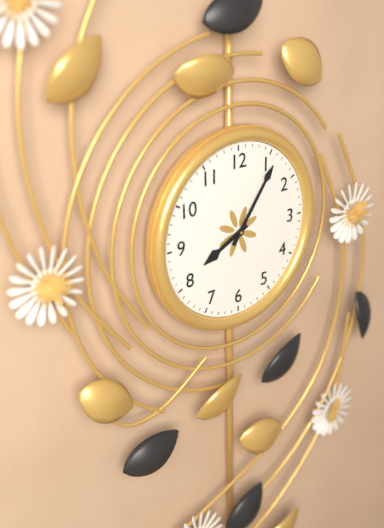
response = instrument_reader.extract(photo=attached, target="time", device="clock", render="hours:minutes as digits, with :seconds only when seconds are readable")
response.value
8:06
